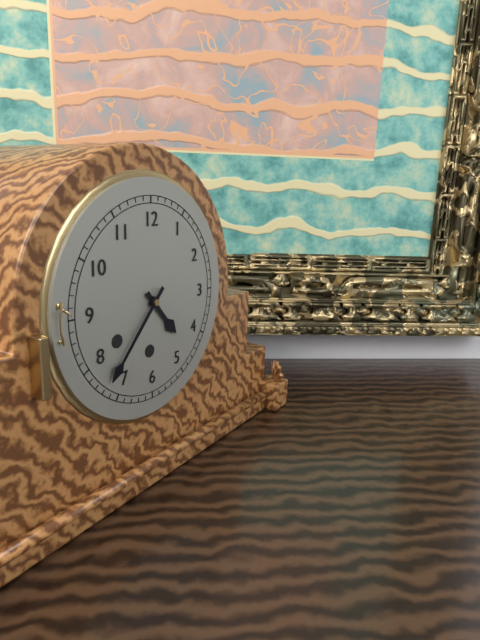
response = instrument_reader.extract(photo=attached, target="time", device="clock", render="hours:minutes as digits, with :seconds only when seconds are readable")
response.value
4:37
